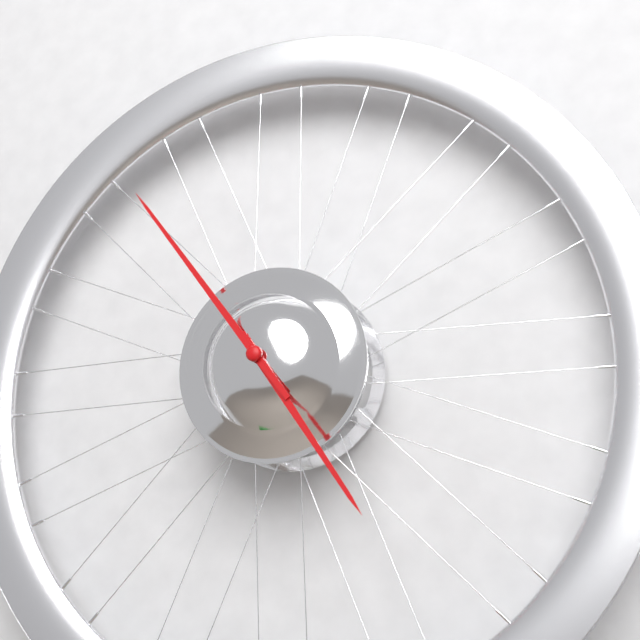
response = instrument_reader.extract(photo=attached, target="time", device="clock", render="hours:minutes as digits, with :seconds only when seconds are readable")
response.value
4:54
